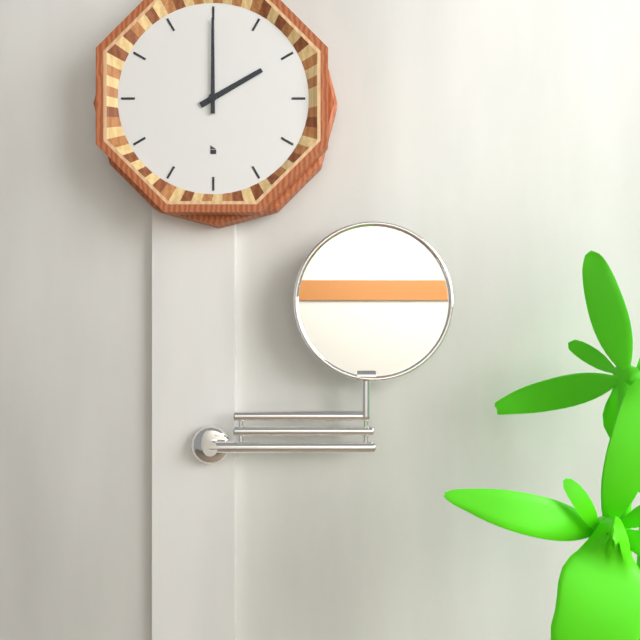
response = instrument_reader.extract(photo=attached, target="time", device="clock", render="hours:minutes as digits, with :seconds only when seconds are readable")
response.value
2:00
